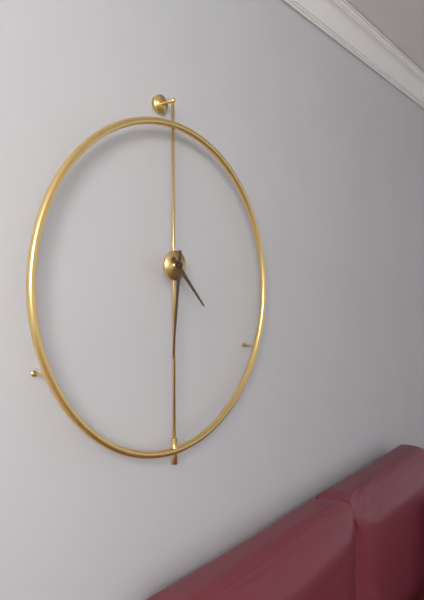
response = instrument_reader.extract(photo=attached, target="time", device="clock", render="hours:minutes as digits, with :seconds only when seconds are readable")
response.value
4:31
